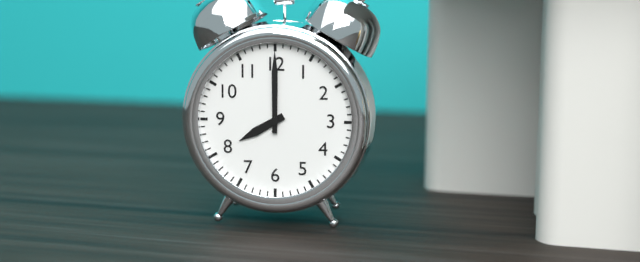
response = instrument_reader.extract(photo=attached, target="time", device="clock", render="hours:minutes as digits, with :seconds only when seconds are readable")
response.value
8:00
